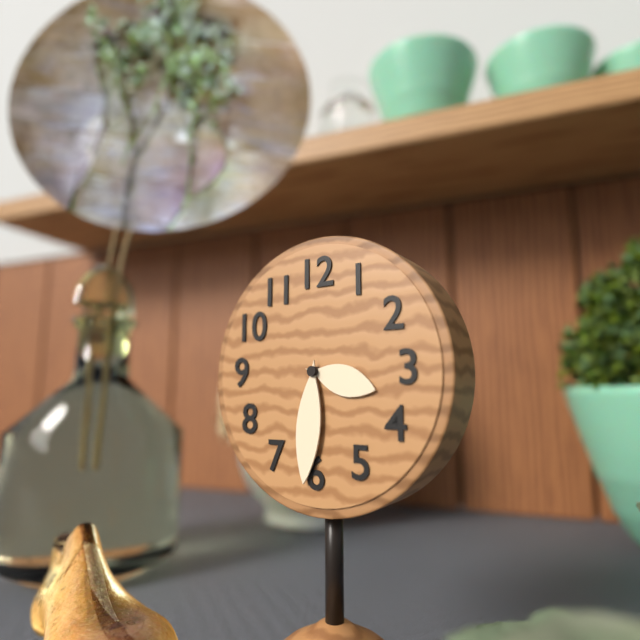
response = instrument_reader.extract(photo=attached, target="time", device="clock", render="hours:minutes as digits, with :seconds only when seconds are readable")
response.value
3:31
